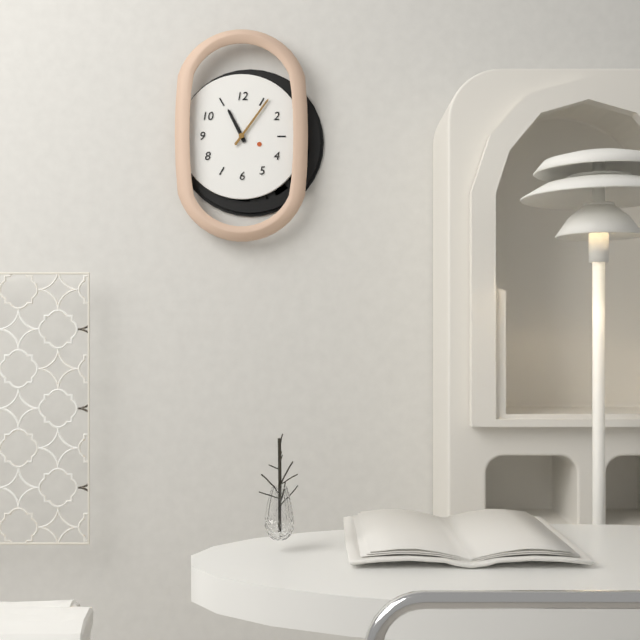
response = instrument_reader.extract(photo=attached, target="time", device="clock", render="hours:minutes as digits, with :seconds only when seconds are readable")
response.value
11:06
